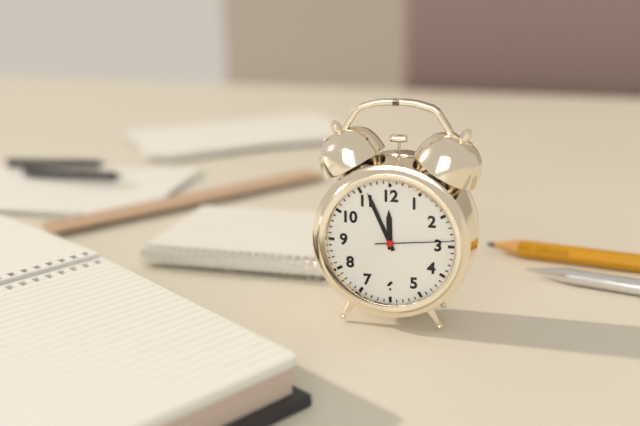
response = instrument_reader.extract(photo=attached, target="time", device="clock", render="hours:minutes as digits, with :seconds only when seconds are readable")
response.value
11:56:14
